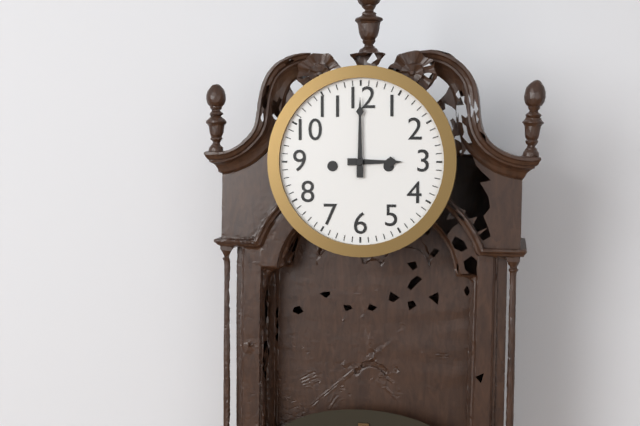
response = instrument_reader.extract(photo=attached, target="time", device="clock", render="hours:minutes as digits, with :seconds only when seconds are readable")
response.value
3:00
